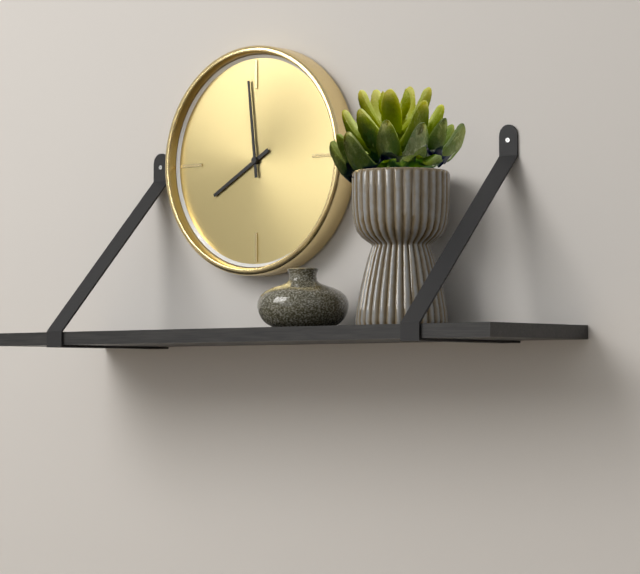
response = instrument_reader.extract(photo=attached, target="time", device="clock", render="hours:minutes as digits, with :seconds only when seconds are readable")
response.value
7:59
